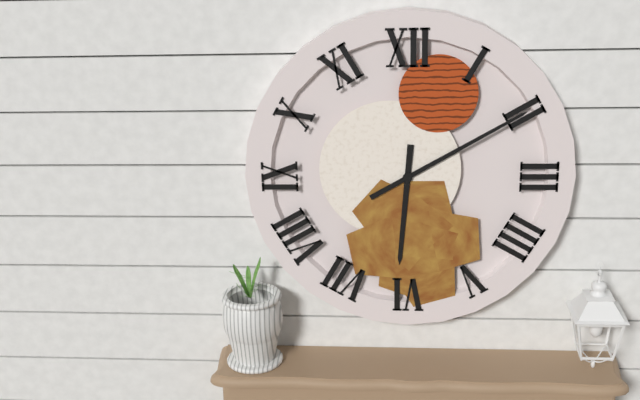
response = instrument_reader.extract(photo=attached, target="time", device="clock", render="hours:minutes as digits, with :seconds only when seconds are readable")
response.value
6:10
